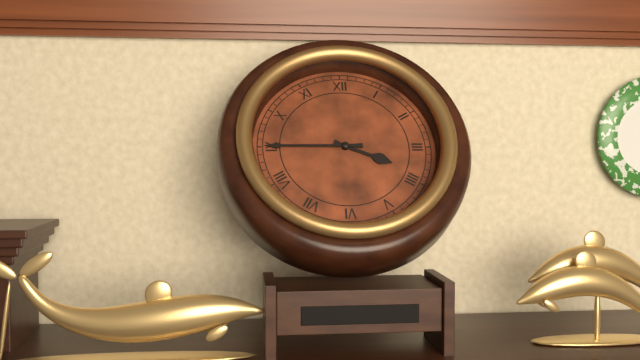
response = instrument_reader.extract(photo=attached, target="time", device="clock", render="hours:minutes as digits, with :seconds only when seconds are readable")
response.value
3:45
